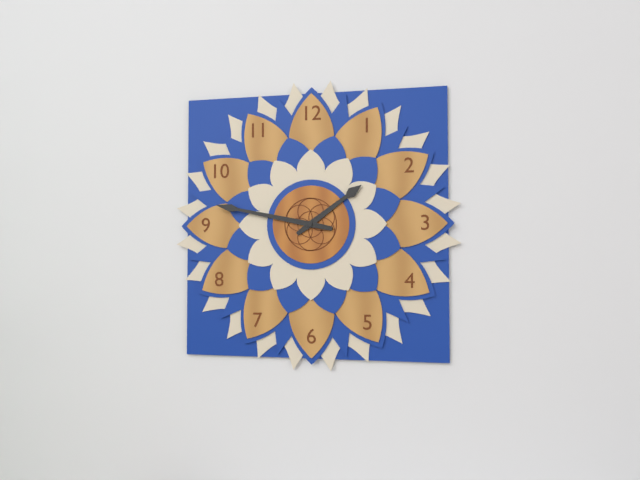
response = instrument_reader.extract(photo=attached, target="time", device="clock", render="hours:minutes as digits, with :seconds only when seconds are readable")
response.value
1:47
